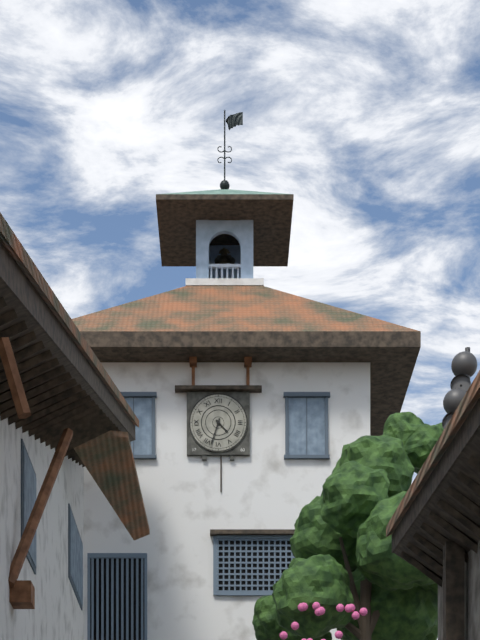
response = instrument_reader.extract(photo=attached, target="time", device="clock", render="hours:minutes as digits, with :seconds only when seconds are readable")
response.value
4:33
